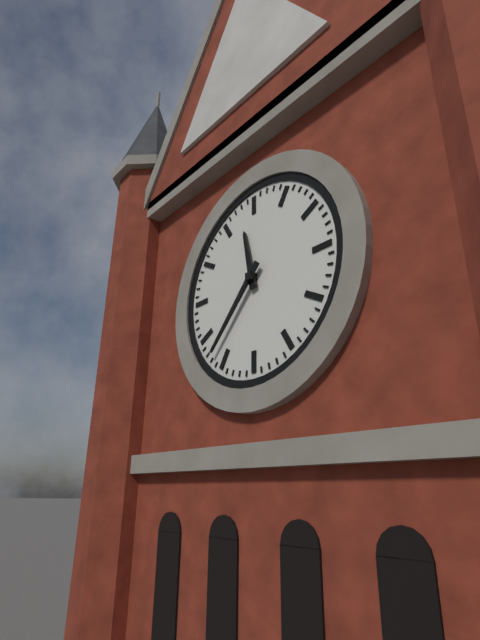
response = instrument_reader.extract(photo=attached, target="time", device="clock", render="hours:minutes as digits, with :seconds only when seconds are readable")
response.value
11:37
